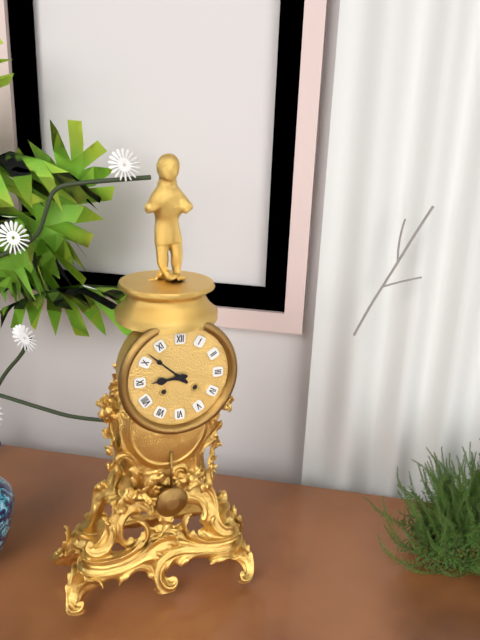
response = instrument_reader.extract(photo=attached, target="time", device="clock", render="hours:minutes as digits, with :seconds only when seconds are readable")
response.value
8:52
